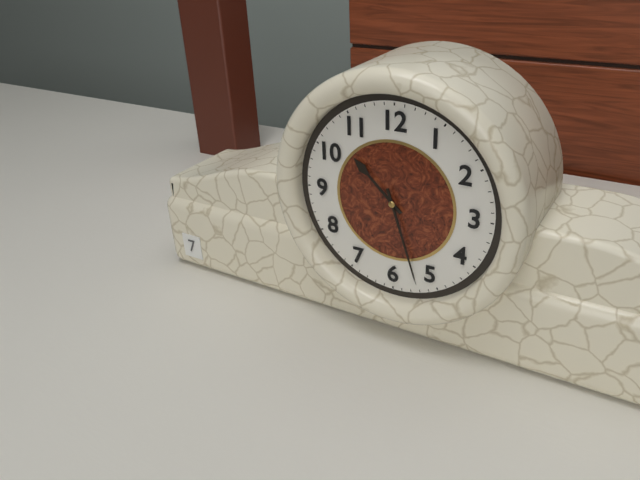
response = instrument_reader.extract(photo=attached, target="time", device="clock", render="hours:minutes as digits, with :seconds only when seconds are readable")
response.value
10:27
